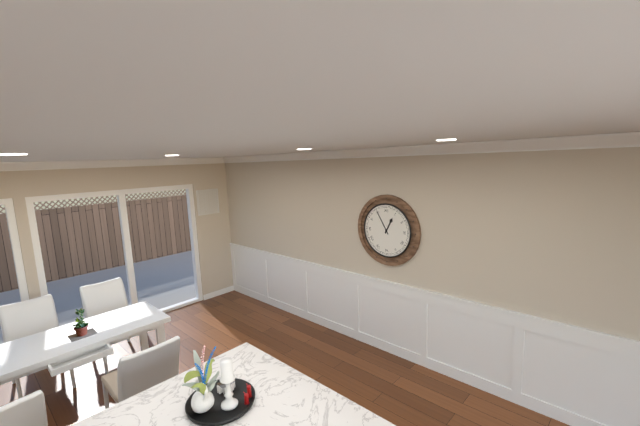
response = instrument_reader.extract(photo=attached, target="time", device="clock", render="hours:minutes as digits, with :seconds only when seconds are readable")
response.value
12:55
